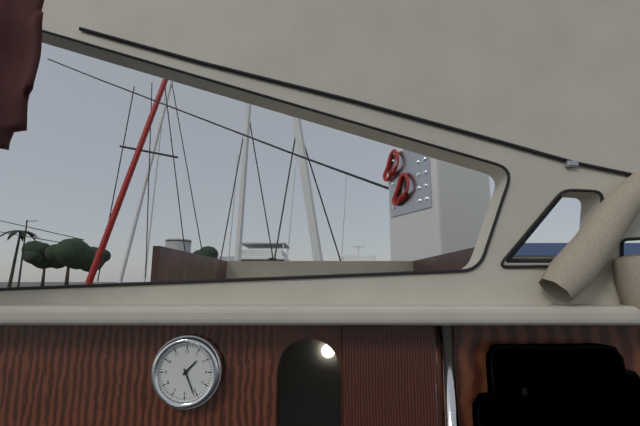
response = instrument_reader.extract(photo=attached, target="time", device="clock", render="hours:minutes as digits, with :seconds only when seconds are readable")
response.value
1:26
